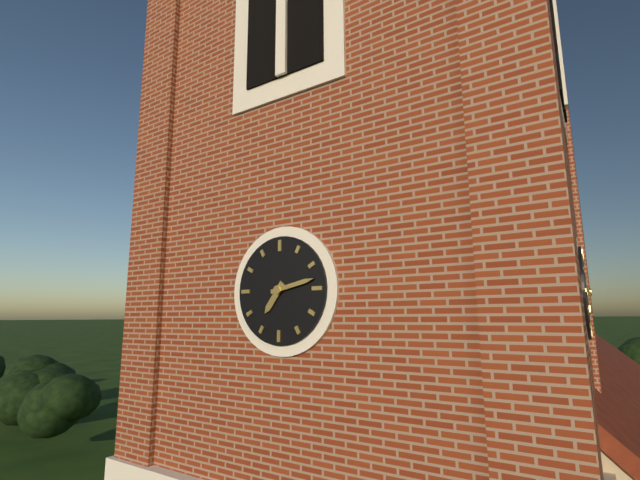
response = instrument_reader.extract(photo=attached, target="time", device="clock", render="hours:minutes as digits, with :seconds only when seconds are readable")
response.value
7:13
